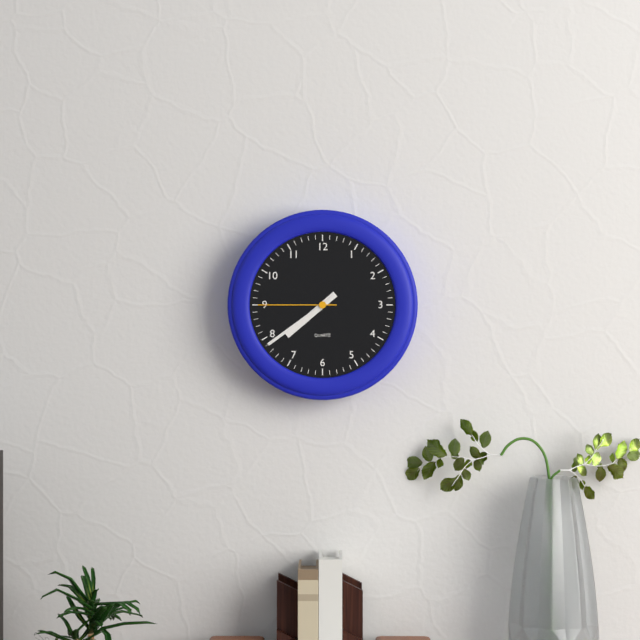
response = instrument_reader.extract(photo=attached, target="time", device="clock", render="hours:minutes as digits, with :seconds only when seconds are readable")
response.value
7:39:45
